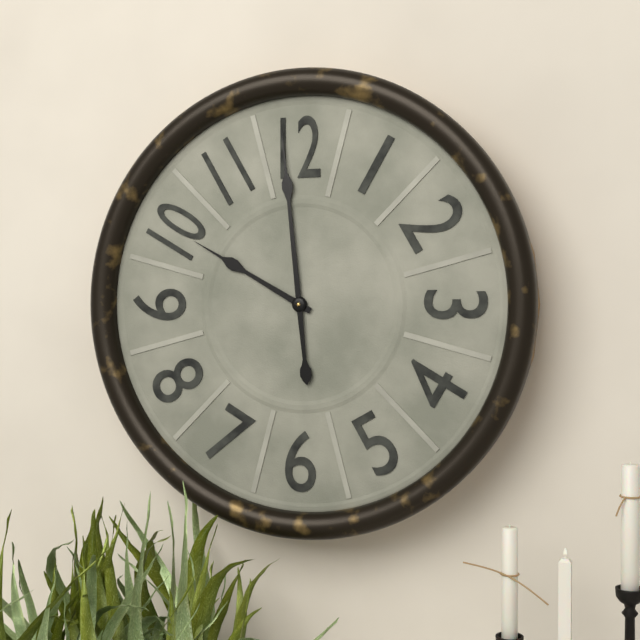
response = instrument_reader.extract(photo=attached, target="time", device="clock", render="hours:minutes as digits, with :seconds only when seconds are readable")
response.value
9:59
